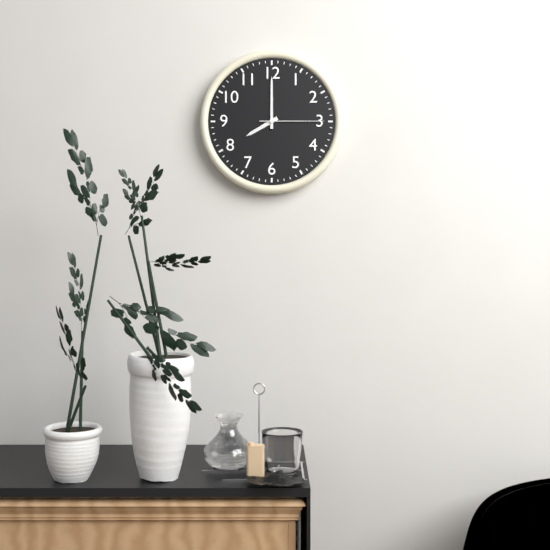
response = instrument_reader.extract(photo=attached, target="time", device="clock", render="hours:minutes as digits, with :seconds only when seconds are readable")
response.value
8:00:15
